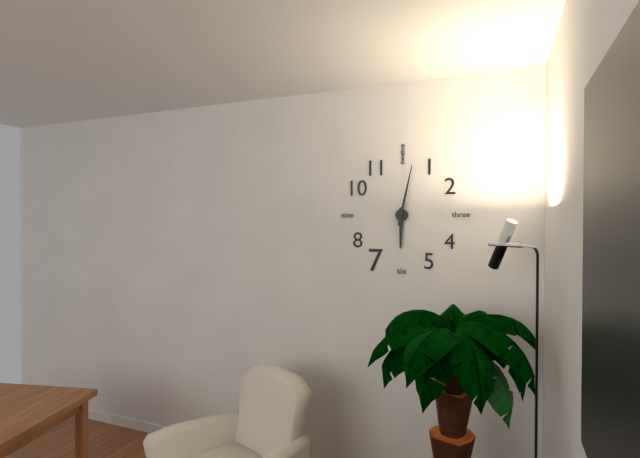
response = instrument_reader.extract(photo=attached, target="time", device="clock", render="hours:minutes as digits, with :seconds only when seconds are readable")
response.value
6:02
